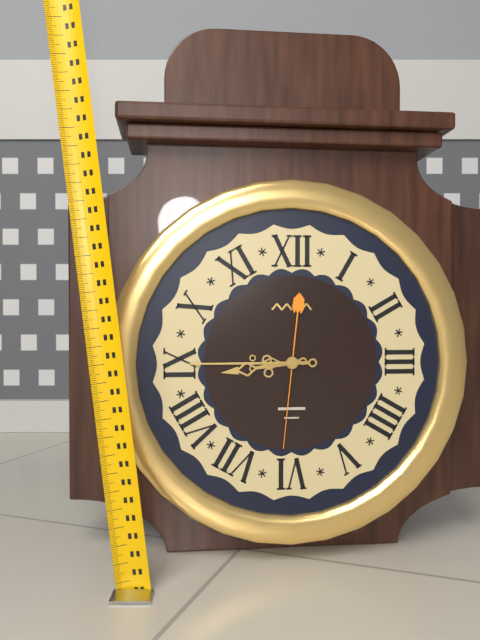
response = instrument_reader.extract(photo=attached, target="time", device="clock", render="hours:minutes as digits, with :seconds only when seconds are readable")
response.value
8:45:31
